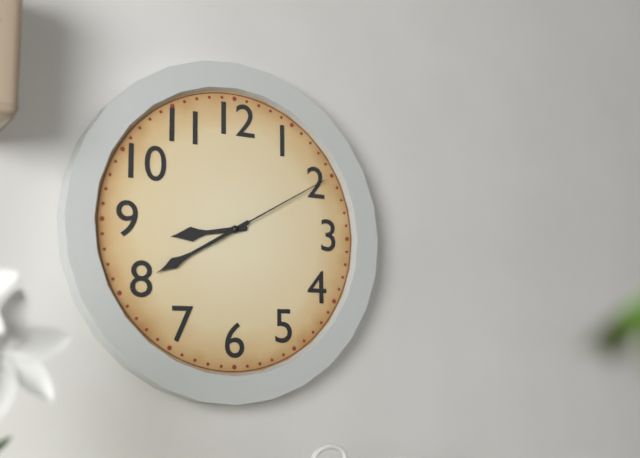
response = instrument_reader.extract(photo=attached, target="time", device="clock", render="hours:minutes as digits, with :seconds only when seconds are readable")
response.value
8:40:10
